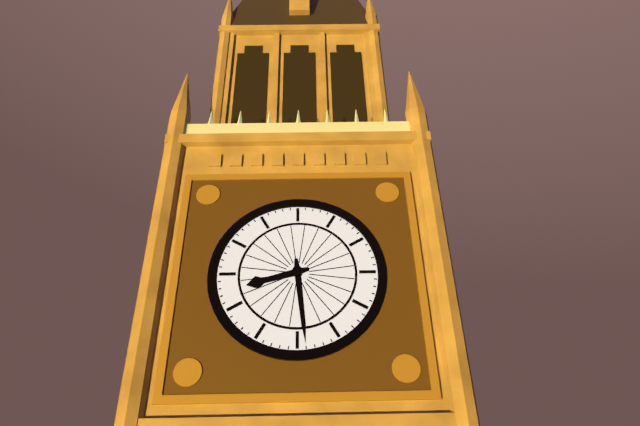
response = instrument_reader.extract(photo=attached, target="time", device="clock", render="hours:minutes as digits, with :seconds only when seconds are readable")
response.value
8:29
